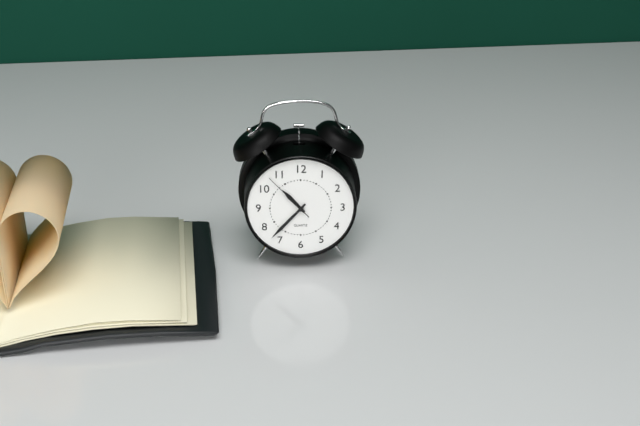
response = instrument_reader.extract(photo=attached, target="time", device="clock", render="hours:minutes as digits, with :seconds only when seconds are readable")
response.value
10:37:53
